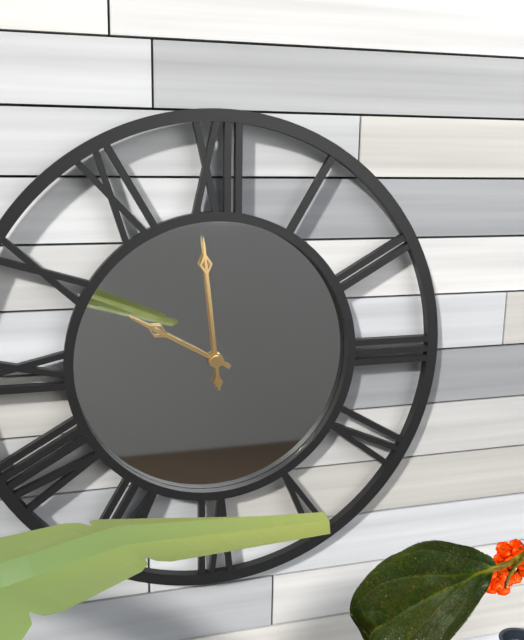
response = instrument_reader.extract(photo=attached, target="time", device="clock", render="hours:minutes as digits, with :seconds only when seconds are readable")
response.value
9:59
